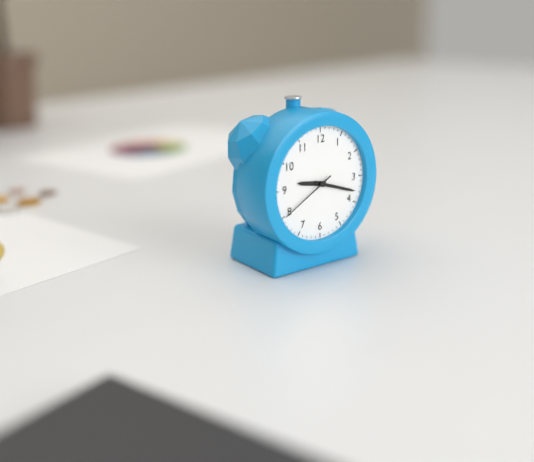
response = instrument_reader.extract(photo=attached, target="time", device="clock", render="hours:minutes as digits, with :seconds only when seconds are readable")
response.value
9:18:40
